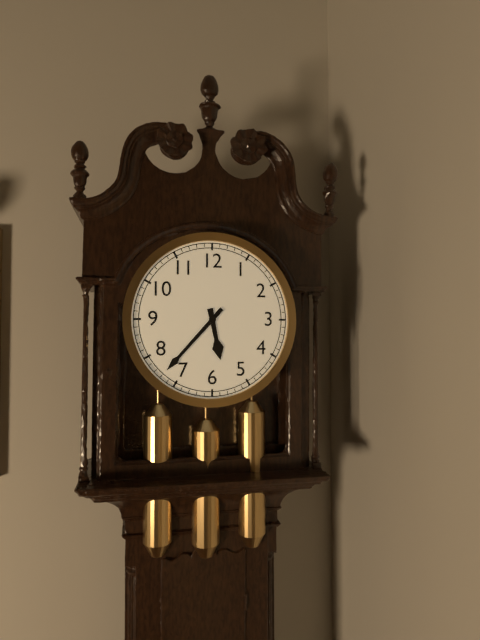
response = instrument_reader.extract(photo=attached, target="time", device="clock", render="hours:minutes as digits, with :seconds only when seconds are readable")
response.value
5:37
